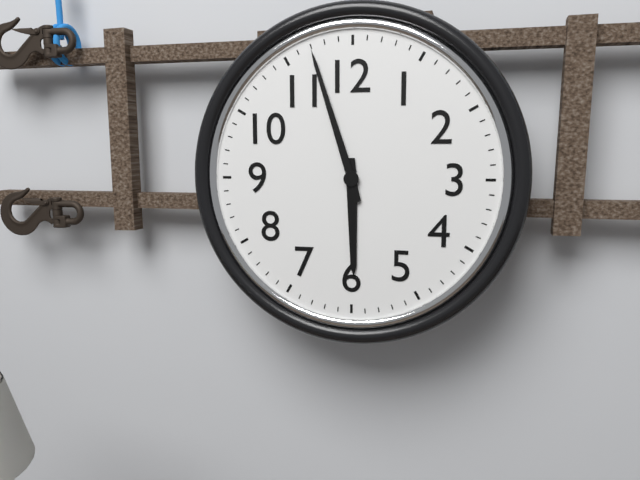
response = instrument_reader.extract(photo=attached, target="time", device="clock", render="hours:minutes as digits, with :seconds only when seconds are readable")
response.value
5:57
